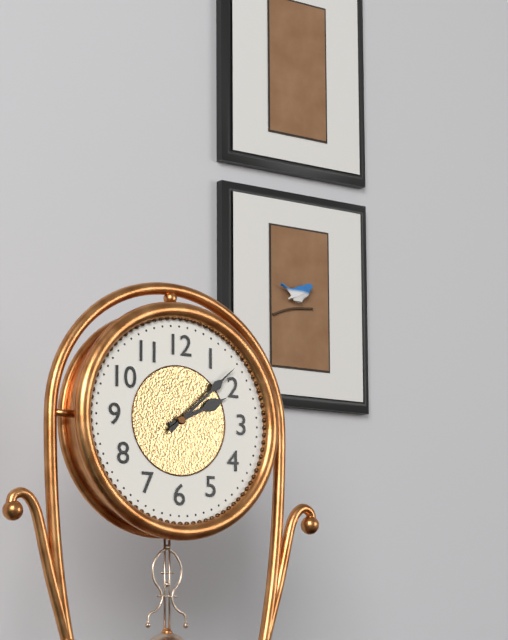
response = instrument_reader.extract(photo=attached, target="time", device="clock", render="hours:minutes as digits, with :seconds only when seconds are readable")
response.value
2:08
